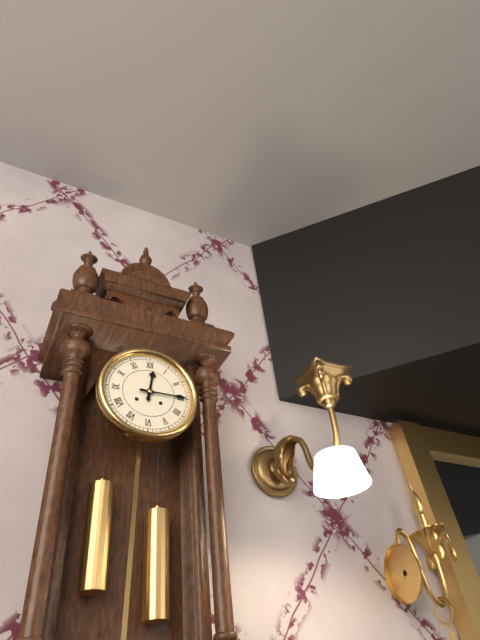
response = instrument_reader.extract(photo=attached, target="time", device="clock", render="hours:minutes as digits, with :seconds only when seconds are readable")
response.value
12:15
